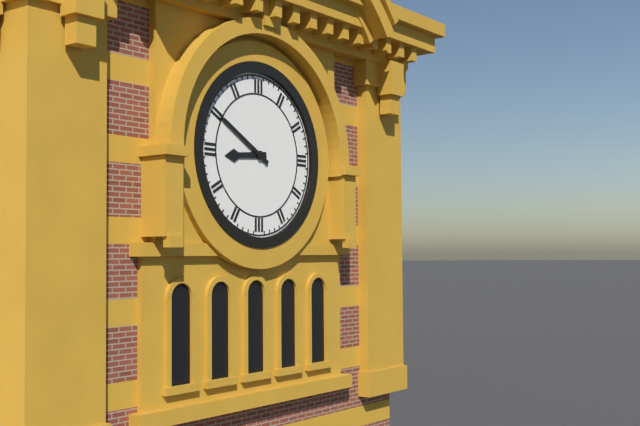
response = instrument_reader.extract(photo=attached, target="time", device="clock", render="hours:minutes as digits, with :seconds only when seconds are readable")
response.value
8:50
